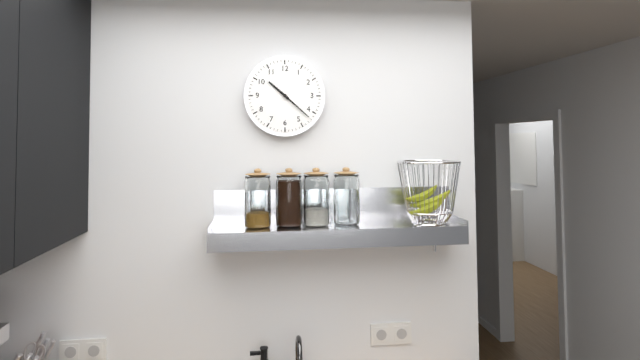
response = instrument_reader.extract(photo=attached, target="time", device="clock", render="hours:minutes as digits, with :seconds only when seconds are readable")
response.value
10:22
